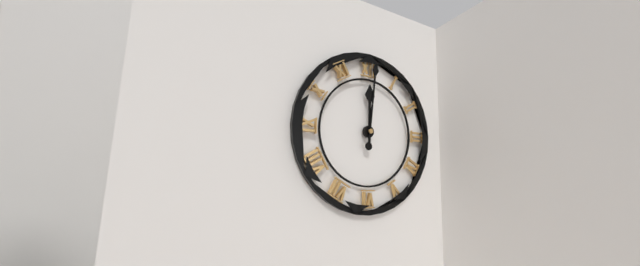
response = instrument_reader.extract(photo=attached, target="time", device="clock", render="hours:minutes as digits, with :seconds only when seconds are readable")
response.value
12:01
